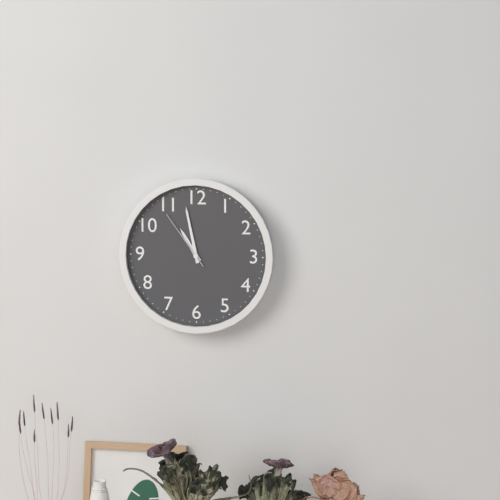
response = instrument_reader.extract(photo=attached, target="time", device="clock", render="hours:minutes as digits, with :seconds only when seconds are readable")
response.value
10:58:54
